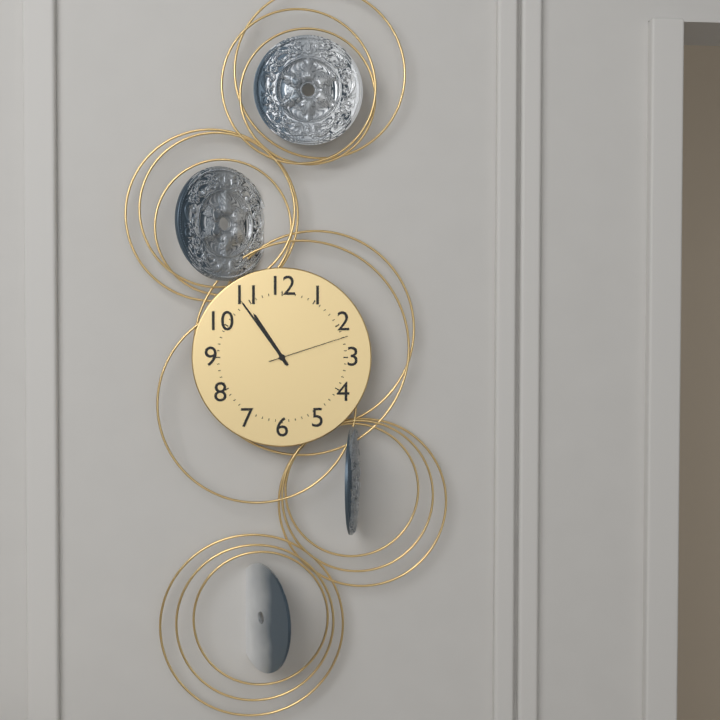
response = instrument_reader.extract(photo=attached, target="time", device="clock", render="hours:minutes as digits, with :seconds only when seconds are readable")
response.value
10:54:12
